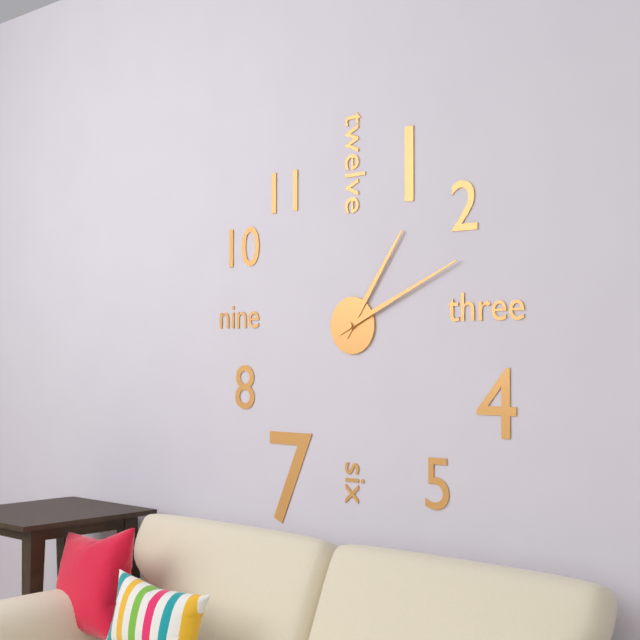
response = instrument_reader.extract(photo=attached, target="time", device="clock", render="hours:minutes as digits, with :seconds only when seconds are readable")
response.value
1:11
